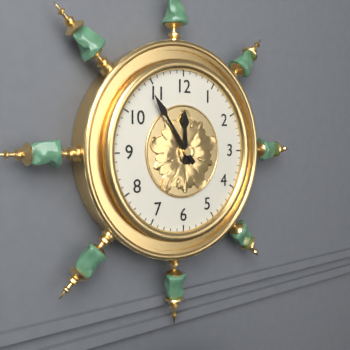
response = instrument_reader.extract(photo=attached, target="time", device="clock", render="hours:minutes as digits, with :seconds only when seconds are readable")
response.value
11:54
